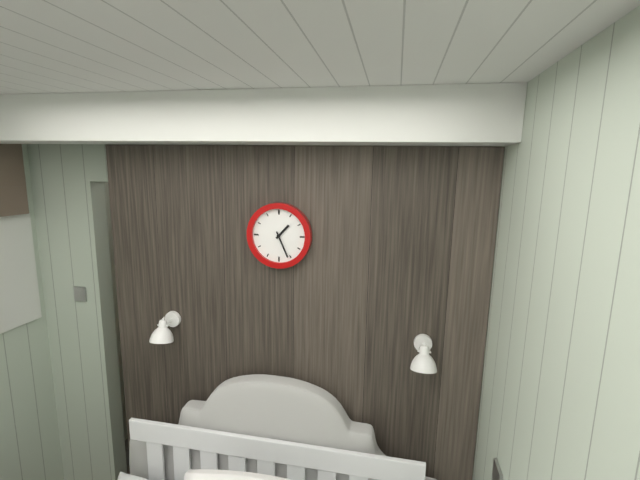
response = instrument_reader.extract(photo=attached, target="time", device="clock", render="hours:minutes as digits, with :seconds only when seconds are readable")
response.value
1:26
